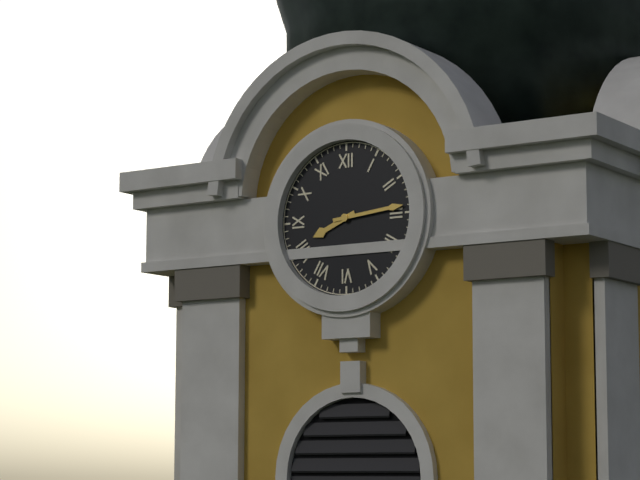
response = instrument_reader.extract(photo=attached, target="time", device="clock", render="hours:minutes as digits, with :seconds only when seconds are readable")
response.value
8:14
